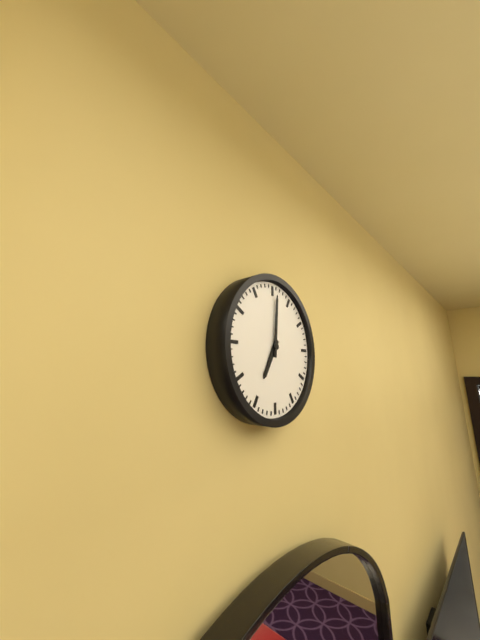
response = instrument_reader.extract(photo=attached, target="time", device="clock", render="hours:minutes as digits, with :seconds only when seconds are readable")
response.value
7:01
